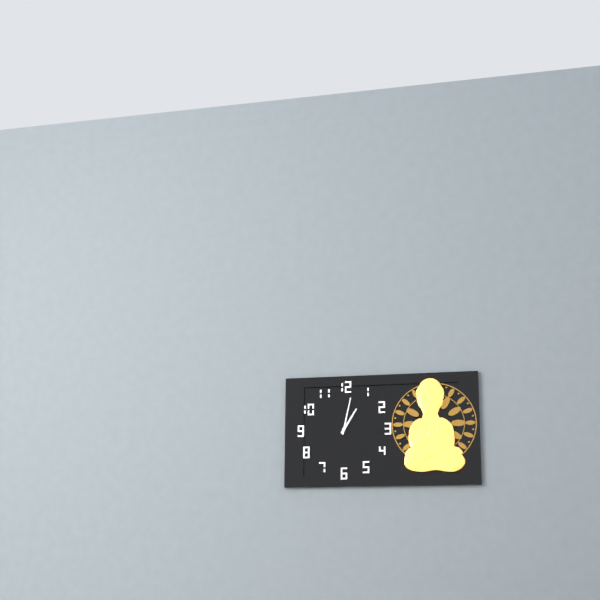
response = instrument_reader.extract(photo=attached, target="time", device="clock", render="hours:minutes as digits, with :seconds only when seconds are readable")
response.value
1:02
